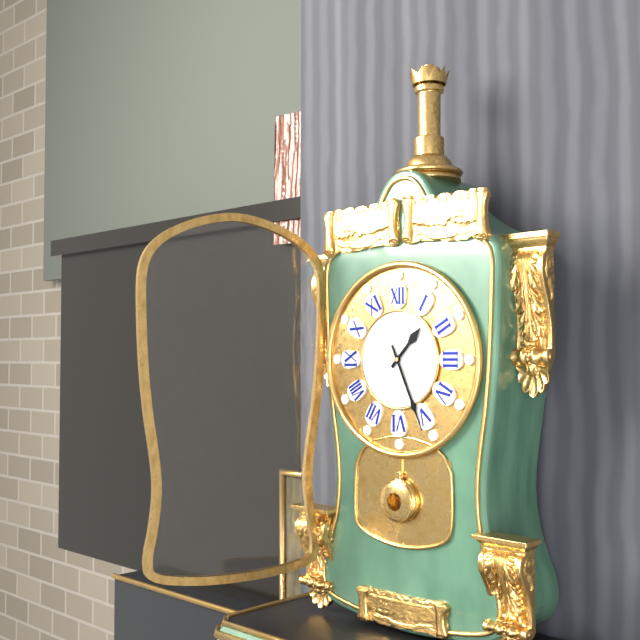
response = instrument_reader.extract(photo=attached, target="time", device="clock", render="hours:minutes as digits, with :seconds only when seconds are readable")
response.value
1:26
